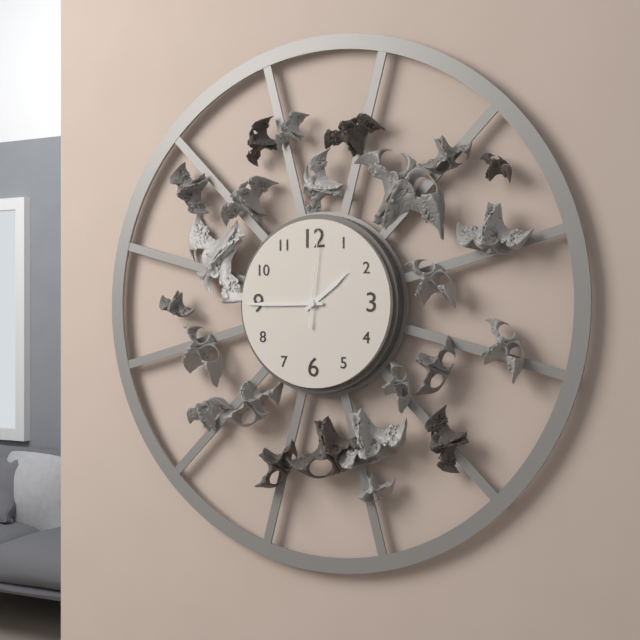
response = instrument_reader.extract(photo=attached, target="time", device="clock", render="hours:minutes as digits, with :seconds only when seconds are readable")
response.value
1:45:01
